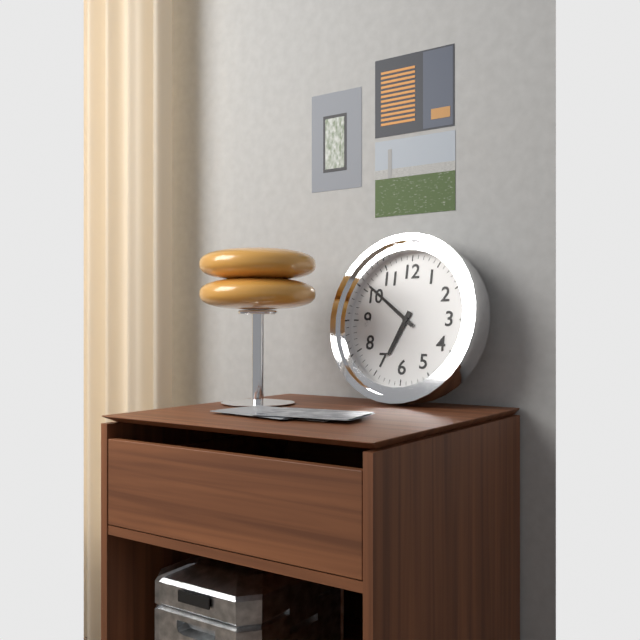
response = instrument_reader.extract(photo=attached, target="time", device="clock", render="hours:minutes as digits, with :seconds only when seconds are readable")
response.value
6:51
